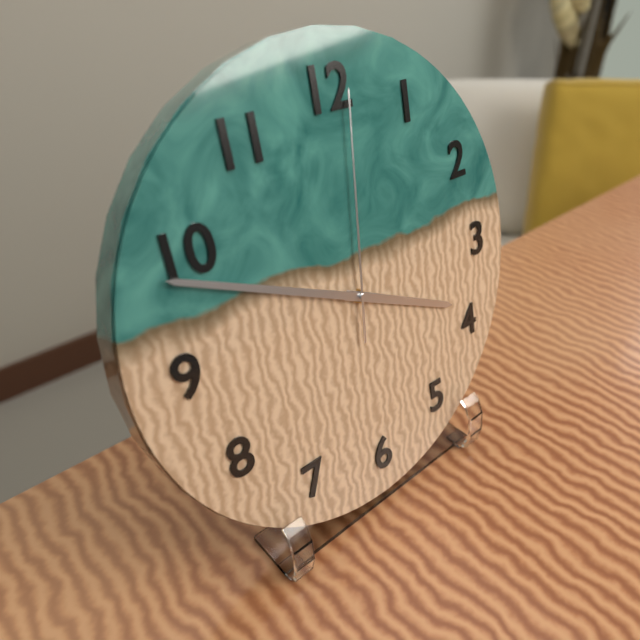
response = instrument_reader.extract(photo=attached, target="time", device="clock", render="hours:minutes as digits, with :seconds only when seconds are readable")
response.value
3:49:01
